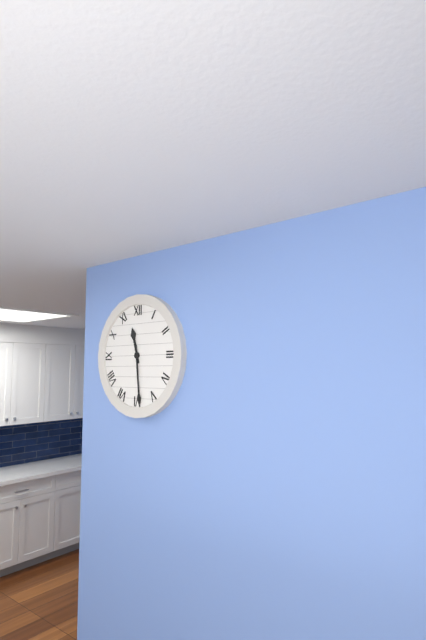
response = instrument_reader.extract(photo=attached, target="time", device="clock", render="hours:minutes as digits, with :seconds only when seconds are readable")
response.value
11:29
